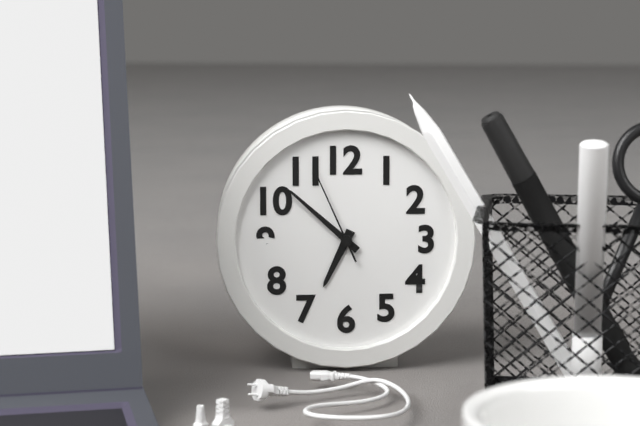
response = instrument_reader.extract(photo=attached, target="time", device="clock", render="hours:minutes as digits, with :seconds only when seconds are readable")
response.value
6:52:56
